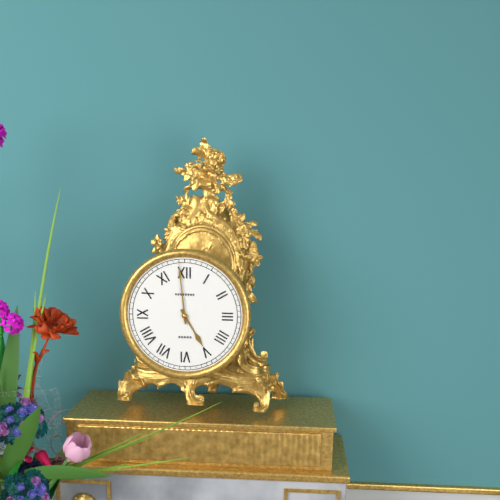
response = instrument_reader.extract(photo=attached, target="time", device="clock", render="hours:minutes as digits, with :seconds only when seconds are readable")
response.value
4:59
